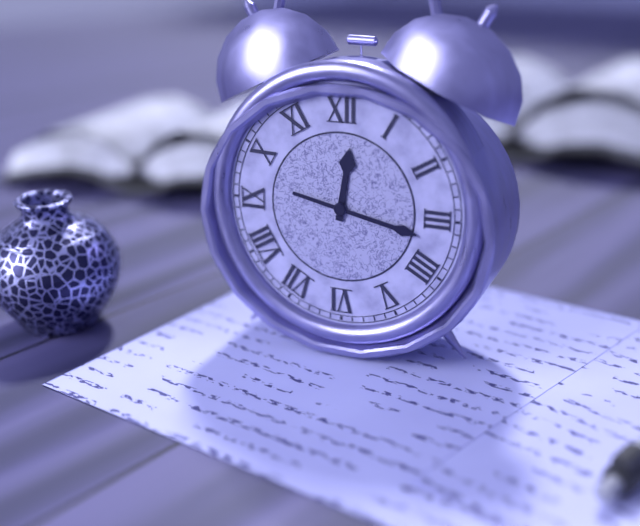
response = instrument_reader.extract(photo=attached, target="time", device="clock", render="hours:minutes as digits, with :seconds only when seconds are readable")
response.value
12:17
